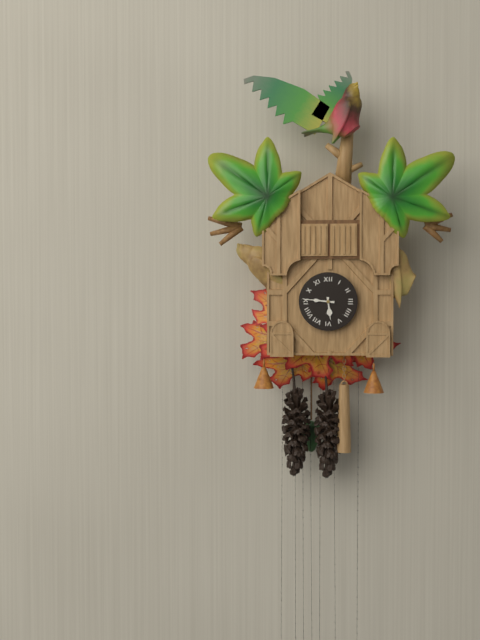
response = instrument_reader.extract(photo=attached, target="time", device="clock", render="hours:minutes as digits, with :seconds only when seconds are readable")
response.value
5:46
